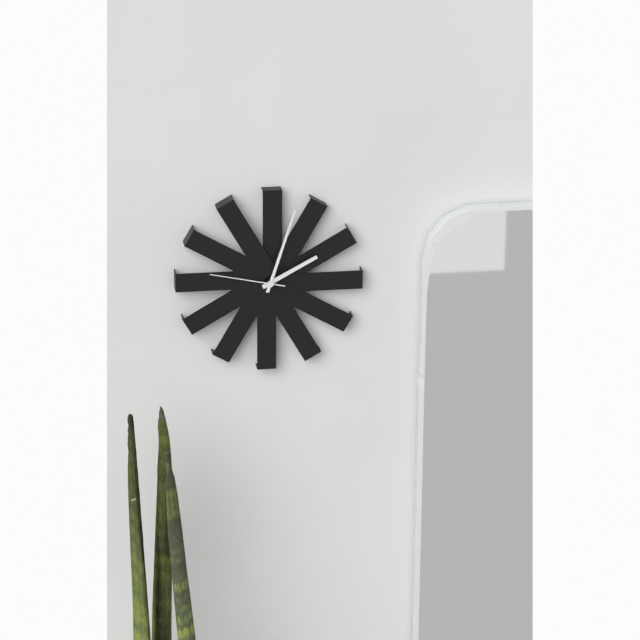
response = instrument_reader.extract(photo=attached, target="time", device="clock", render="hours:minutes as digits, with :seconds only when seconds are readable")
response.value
2:03:47
